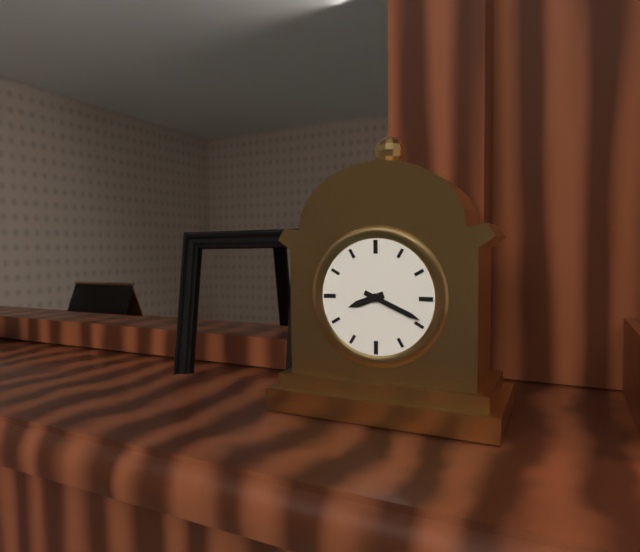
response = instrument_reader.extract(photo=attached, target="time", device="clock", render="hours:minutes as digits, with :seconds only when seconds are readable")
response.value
8:19
